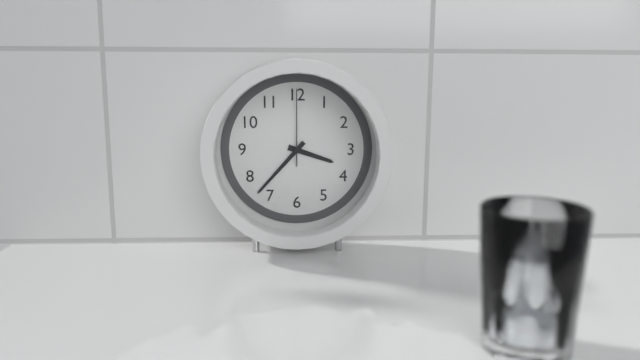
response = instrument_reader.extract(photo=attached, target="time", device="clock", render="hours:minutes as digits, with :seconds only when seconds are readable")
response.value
3:37:00
